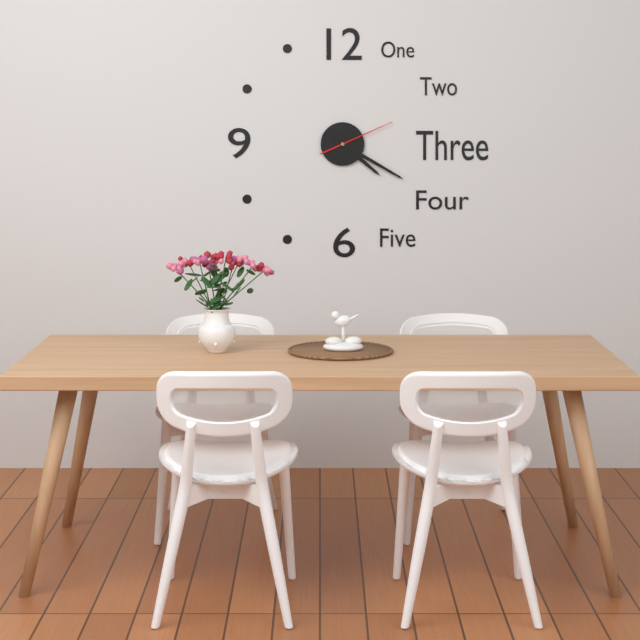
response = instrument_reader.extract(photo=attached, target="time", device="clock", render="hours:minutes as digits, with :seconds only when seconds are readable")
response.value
4:20:11
